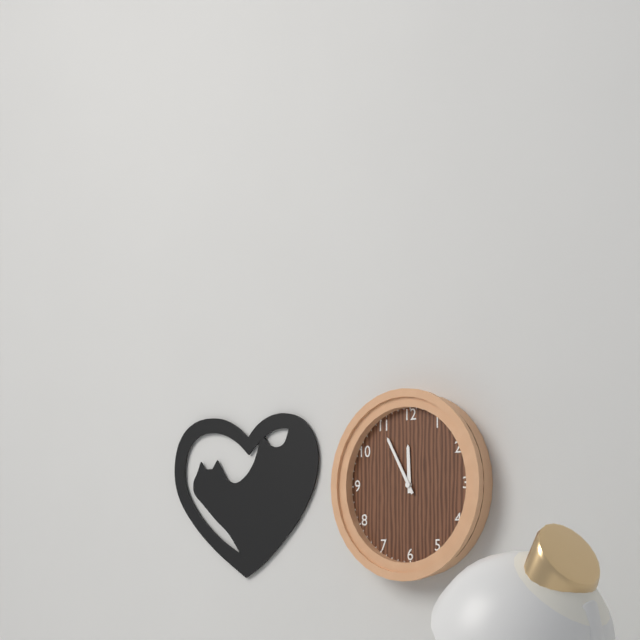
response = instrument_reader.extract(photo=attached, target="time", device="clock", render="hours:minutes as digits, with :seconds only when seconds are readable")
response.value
11:55
